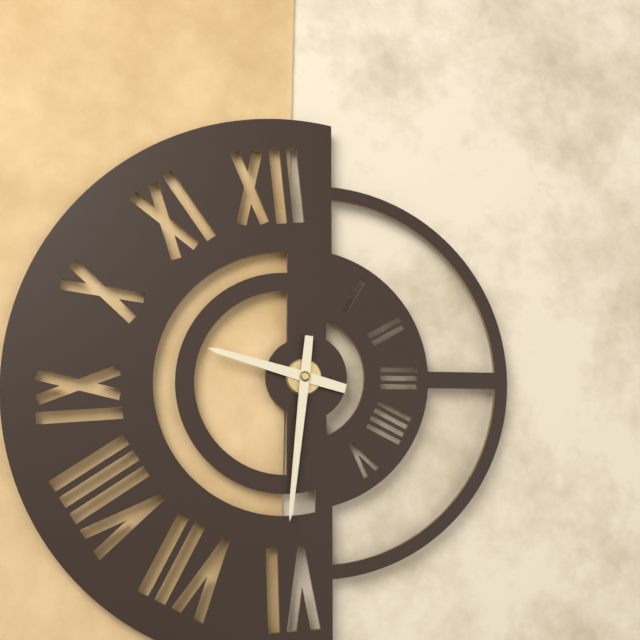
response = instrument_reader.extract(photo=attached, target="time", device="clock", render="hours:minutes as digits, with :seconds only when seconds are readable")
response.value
9:31
